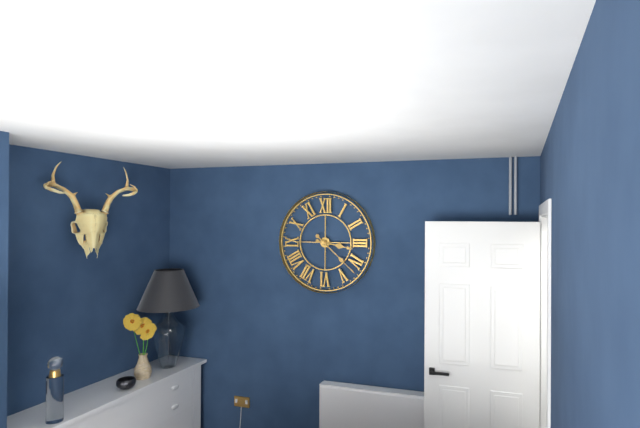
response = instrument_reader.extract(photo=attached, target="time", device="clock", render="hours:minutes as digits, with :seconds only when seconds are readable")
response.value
3:22
